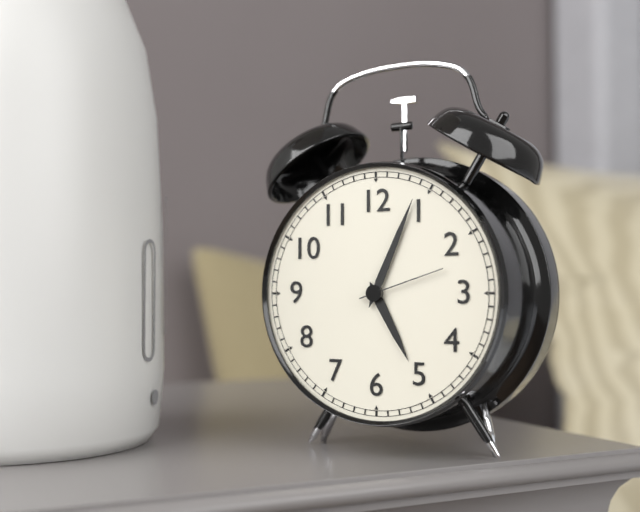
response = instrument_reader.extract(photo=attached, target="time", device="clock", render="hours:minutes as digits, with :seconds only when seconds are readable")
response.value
5:04:12
